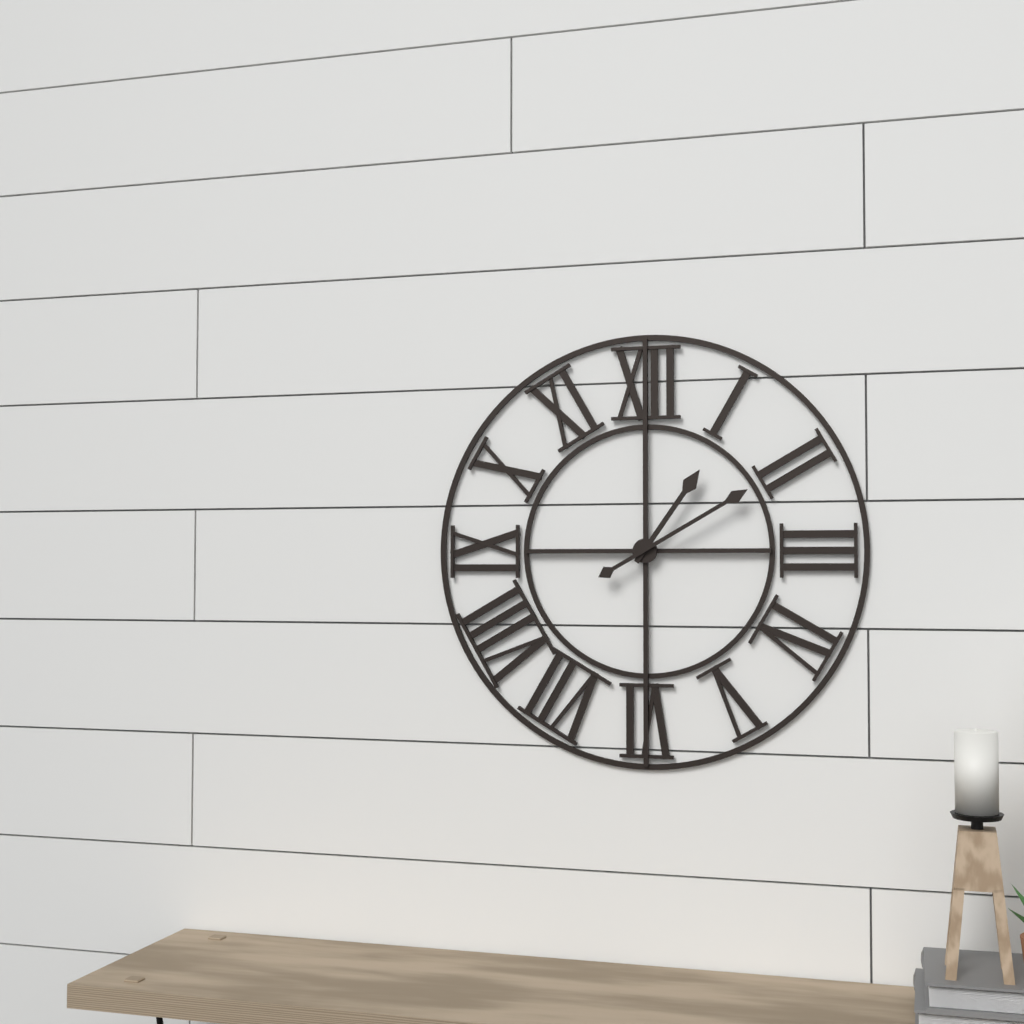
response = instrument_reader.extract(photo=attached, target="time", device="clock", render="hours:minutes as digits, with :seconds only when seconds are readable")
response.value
1:10
